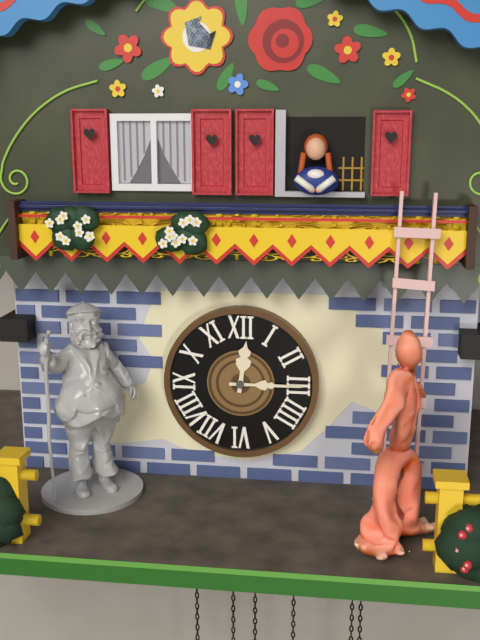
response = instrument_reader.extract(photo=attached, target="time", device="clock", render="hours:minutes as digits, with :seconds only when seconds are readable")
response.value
12:15
